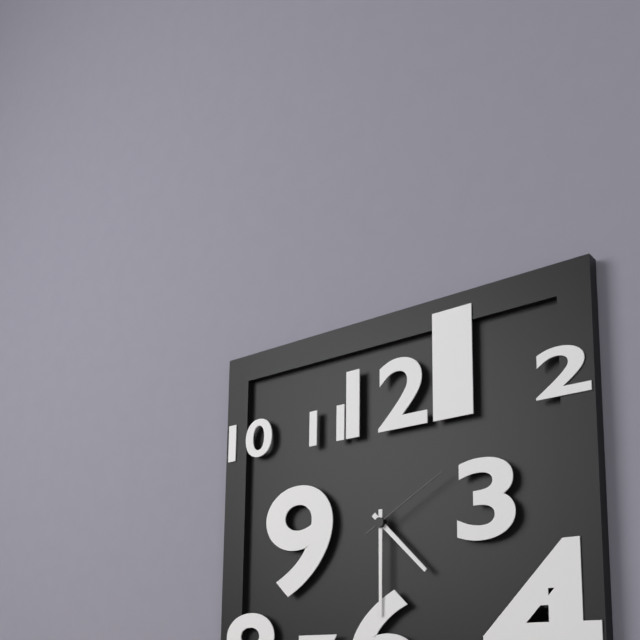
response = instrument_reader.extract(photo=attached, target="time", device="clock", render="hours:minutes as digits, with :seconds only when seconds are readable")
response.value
4:30:10
